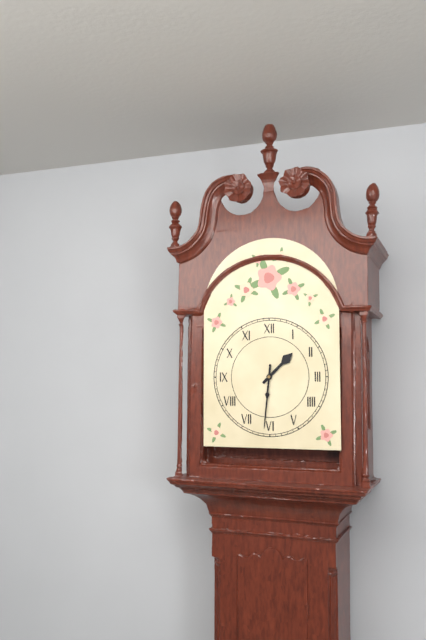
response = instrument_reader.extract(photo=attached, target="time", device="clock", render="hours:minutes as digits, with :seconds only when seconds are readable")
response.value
1:31
